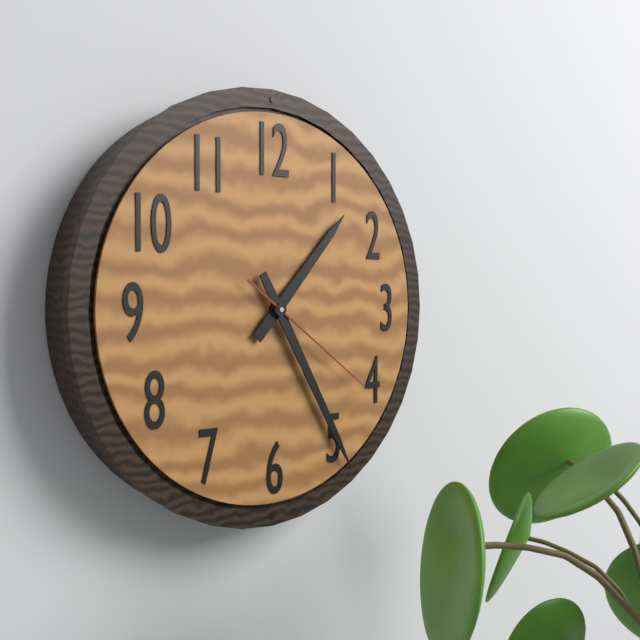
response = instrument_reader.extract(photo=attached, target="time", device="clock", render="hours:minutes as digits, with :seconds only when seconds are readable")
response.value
1:25:21
